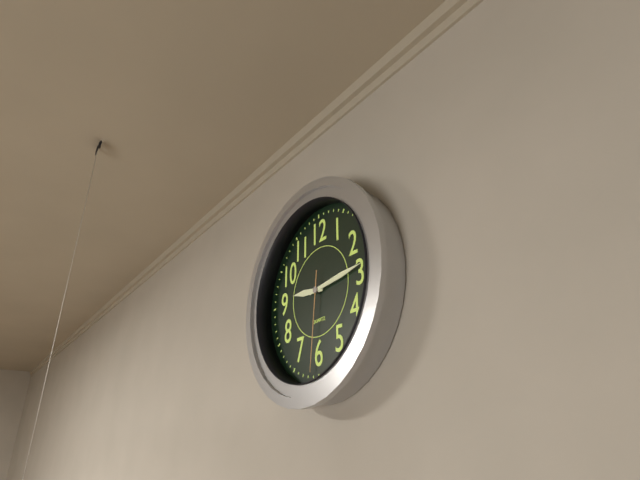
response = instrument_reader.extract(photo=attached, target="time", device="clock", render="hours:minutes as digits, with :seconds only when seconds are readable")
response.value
9:14:31
